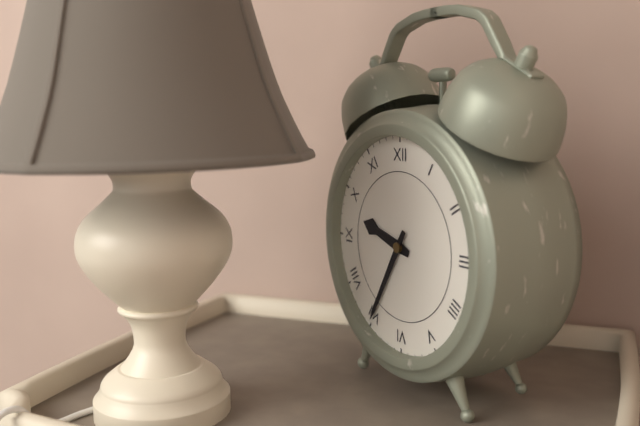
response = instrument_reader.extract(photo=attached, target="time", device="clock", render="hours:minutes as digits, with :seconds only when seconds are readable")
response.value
9:35
